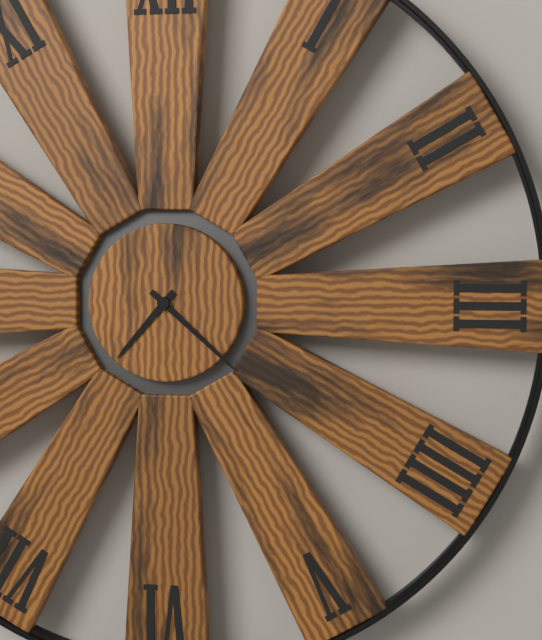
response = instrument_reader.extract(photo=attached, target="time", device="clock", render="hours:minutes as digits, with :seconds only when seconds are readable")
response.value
7:22
